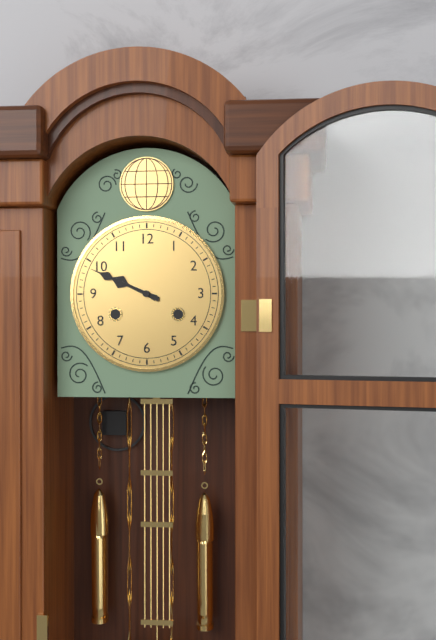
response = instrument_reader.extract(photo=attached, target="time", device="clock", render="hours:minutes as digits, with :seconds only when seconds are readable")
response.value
9:49
